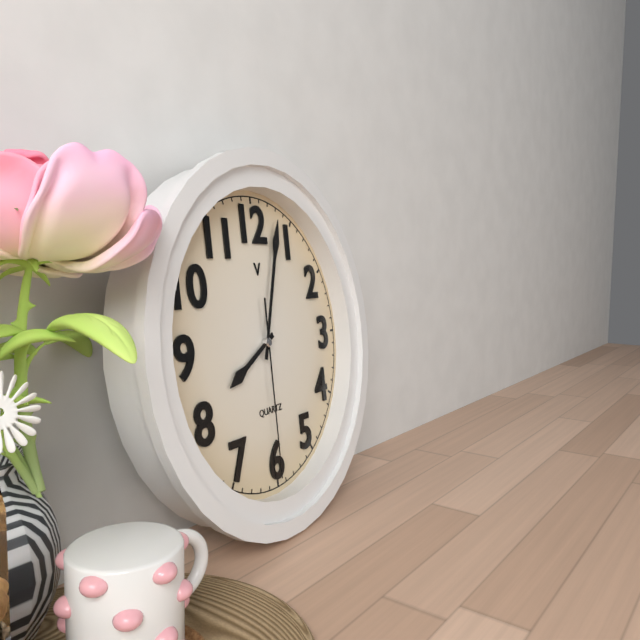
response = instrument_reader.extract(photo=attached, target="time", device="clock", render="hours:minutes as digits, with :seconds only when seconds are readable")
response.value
8:03:30
